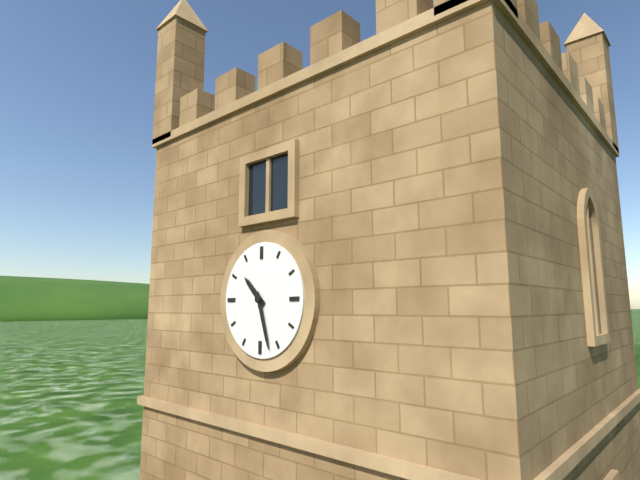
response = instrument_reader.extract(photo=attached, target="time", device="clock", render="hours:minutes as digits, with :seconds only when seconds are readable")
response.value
10:27
